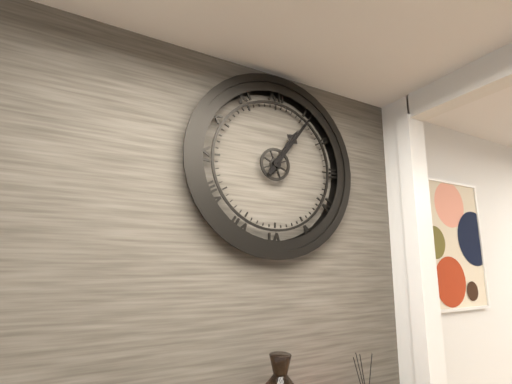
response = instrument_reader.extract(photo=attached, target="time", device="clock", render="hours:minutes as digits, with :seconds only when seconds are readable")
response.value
1:06
